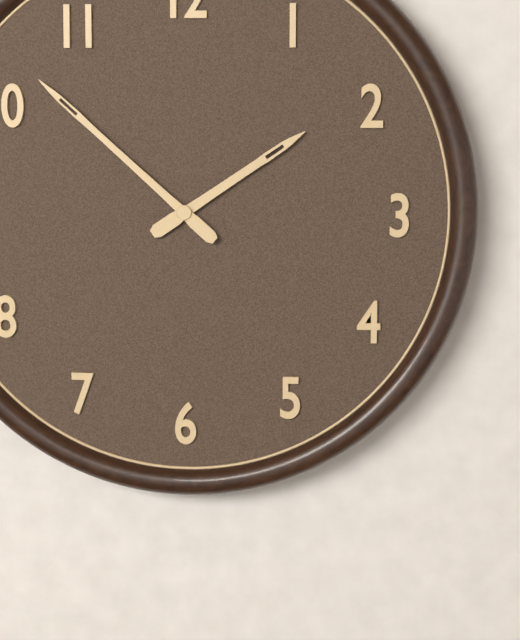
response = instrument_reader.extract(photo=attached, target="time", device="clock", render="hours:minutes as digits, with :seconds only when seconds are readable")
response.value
1:52
